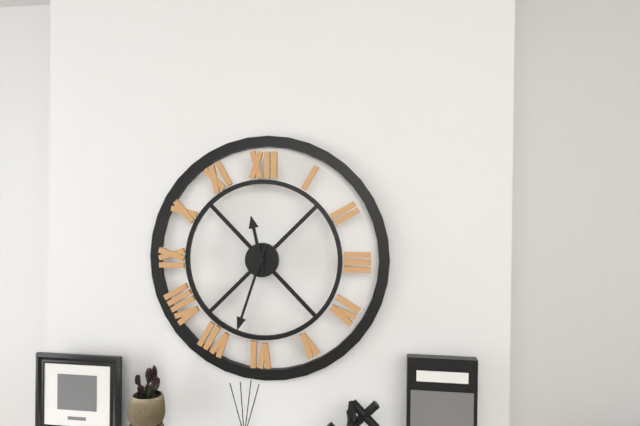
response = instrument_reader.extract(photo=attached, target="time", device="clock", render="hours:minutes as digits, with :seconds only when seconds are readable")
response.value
11:33
